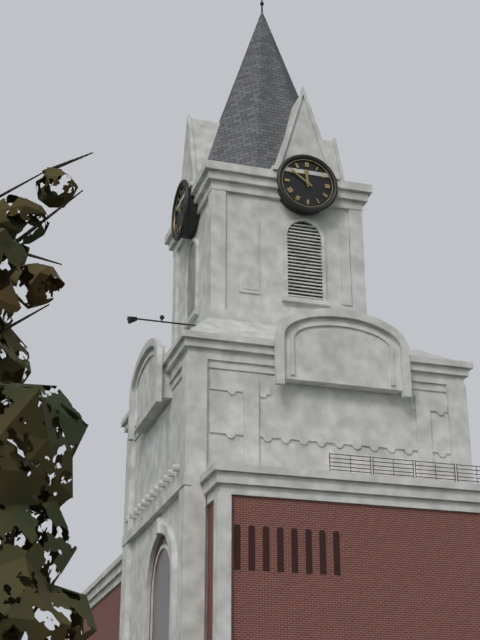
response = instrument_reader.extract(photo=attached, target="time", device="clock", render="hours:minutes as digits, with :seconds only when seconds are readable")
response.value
11:51
